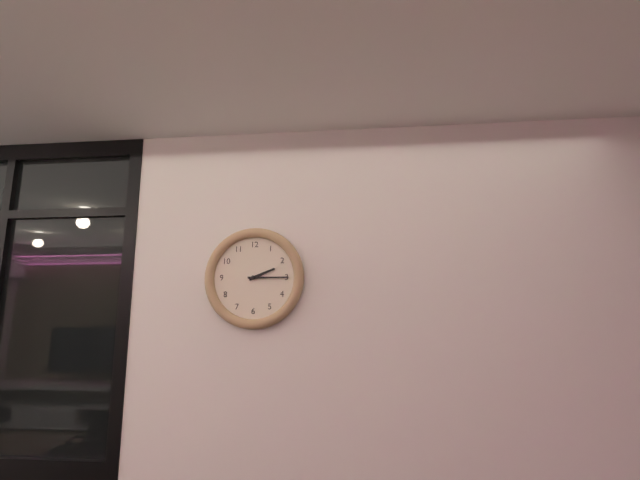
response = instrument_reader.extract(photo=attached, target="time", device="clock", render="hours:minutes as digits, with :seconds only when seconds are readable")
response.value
2:15
